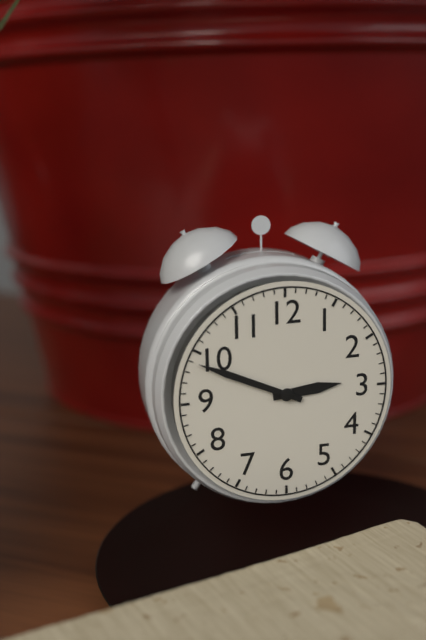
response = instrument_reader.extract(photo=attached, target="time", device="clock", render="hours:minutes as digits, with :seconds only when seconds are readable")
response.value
2:49
